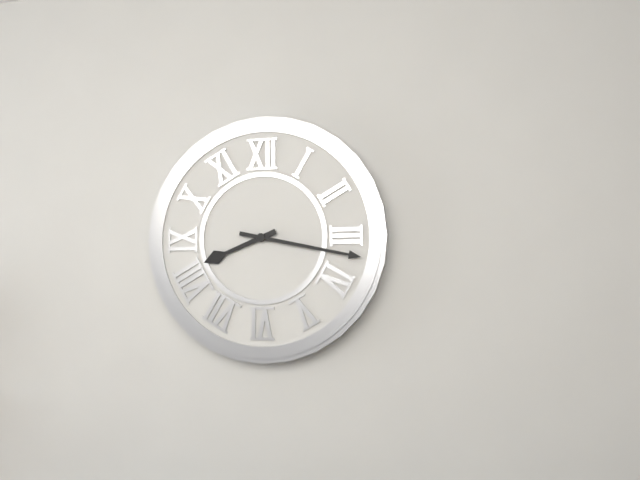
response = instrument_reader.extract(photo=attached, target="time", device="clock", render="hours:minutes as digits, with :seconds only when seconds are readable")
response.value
8:17
